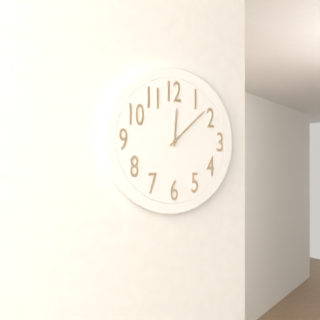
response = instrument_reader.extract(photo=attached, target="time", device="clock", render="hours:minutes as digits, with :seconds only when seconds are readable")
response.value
12:08
